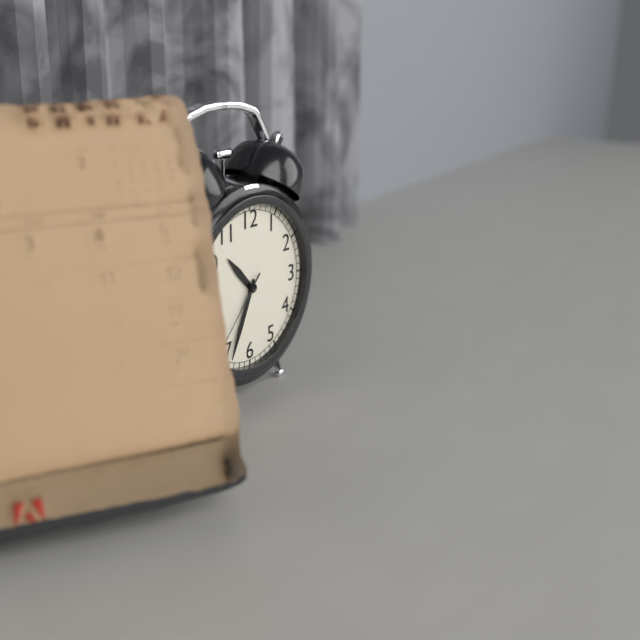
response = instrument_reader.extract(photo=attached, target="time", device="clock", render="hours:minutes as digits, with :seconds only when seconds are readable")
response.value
10:34:37
